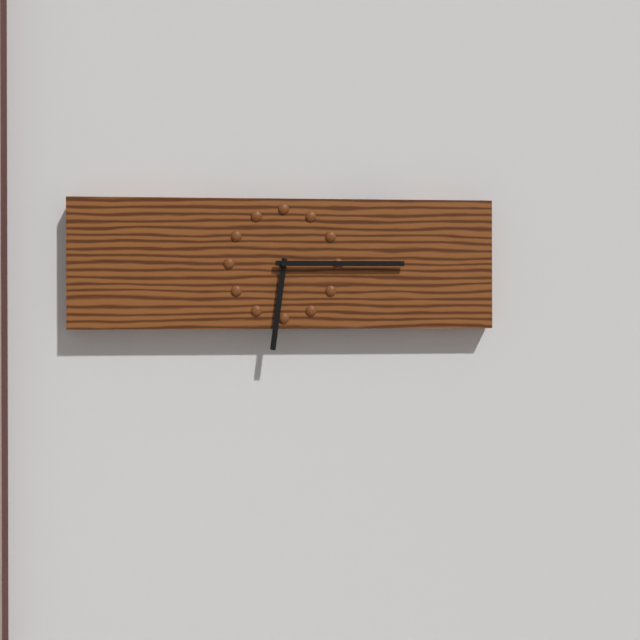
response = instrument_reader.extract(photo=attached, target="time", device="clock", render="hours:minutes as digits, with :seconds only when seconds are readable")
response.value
6:15
